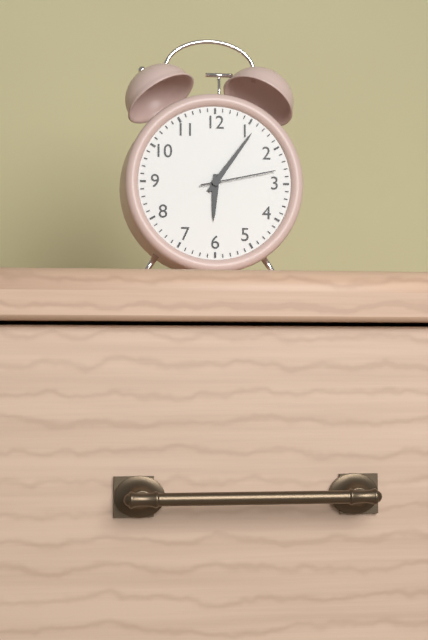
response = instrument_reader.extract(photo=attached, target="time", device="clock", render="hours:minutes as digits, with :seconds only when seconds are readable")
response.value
6:06:13
